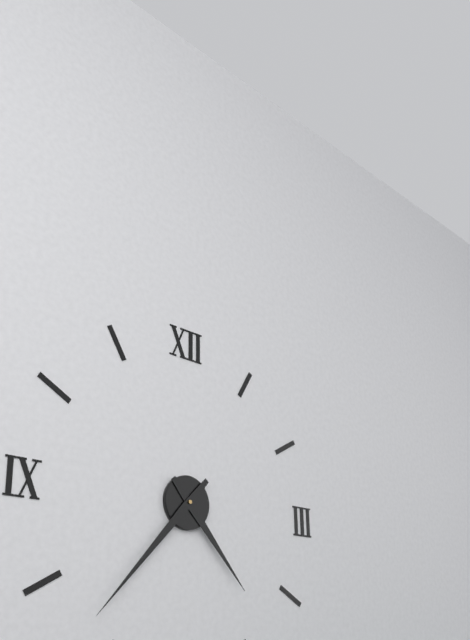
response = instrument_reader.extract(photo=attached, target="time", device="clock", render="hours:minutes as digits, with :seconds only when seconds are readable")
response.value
4:37
